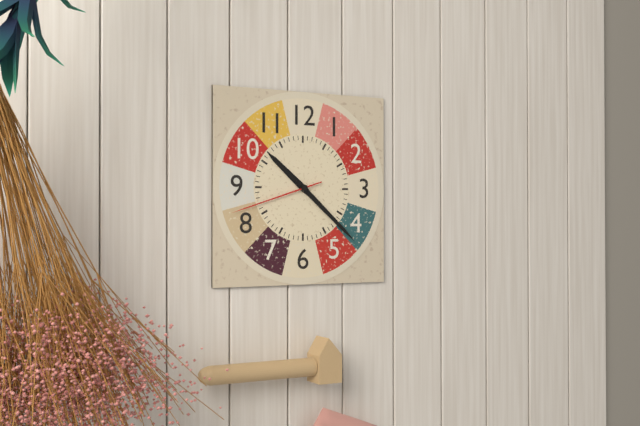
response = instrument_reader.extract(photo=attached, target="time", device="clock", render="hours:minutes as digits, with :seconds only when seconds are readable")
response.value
10:22:42
